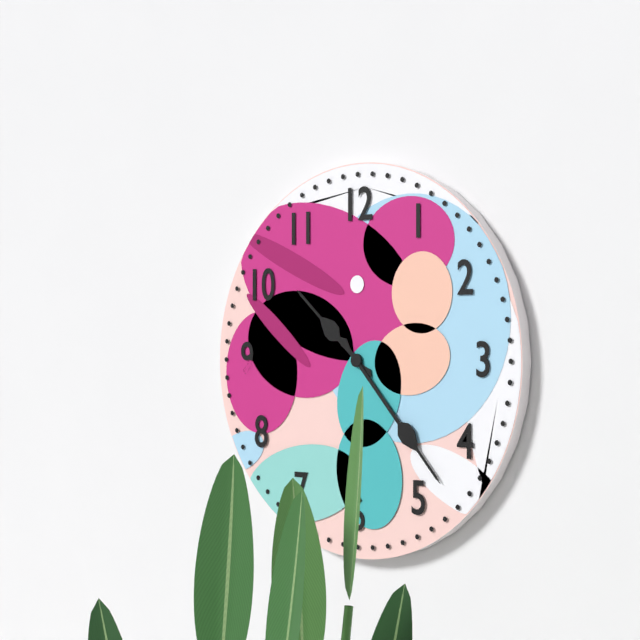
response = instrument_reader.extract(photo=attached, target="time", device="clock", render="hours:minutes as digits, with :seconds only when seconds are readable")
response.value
10:23
